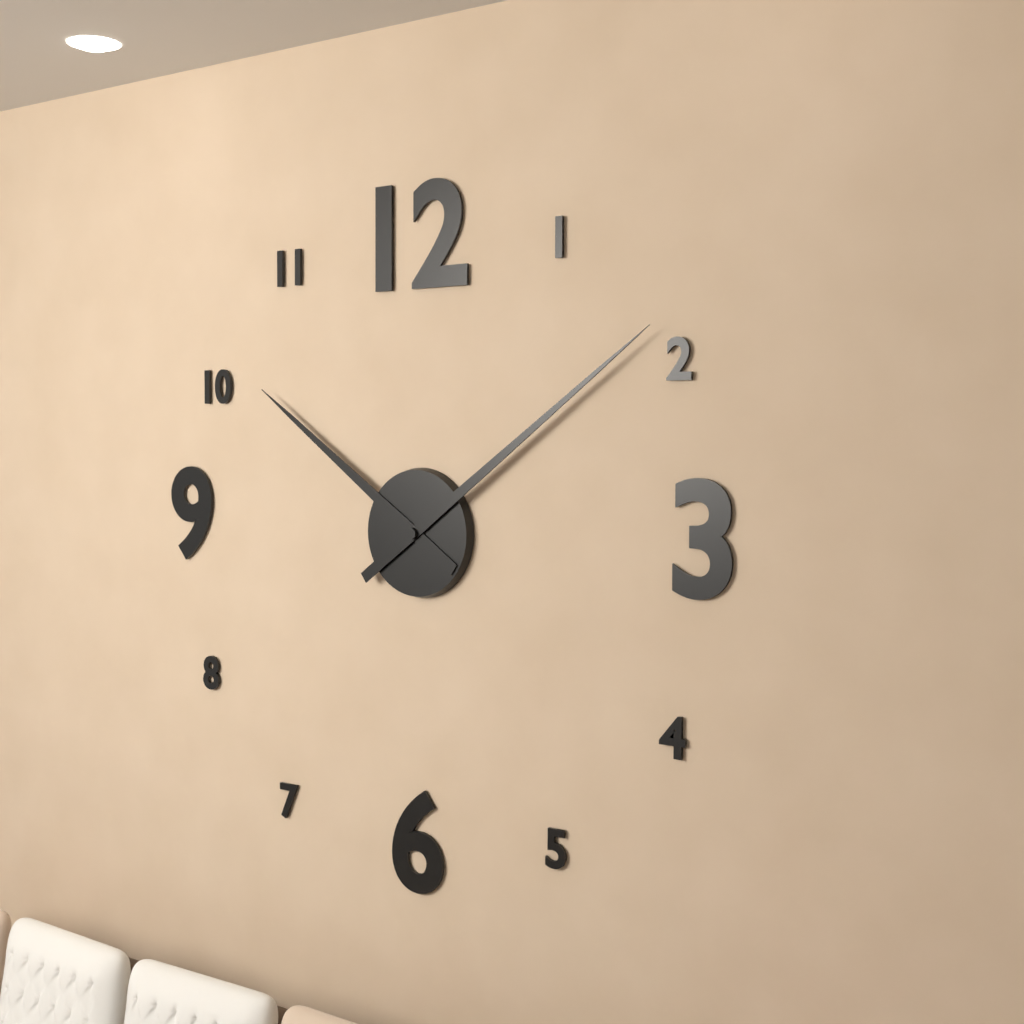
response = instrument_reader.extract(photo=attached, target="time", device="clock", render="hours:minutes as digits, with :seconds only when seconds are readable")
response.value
10:09
